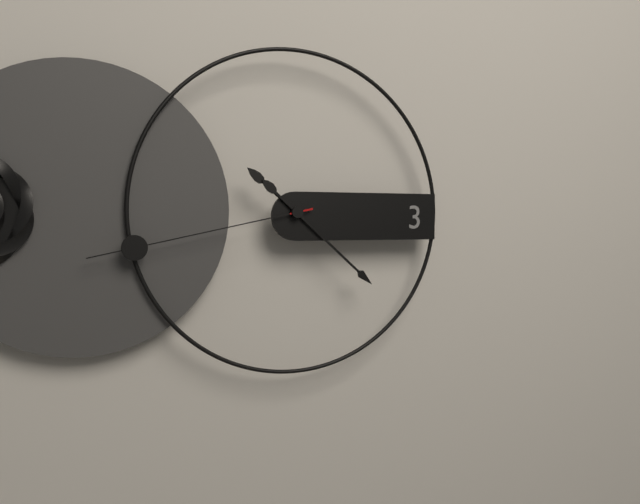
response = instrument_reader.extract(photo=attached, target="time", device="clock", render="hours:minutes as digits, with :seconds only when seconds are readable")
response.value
10:22:43
